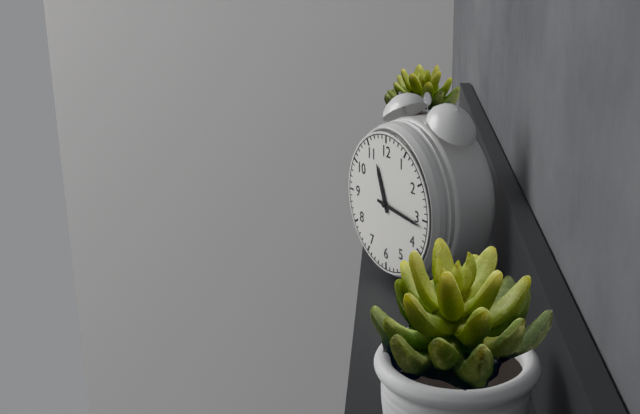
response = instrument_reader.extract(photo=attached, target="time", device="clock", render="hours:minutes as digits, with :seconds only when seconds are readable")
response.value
11:16
